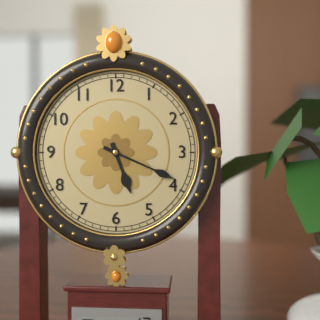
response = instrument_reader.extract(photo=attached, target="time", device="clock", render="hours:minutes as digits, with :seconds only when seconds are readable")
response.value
5:19
